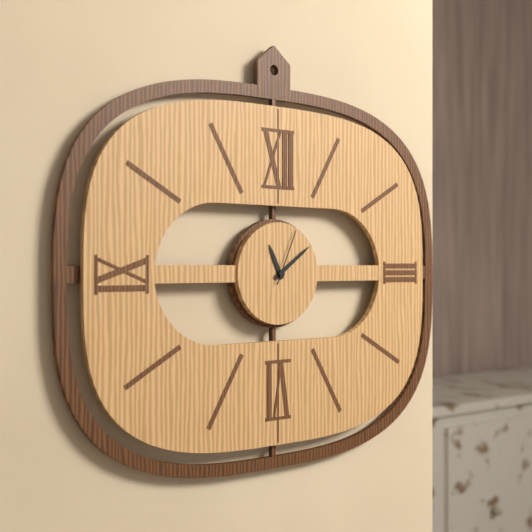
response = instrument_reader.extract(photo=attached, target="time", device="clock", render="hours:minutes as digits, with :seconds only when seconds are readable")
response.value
11:09:04
